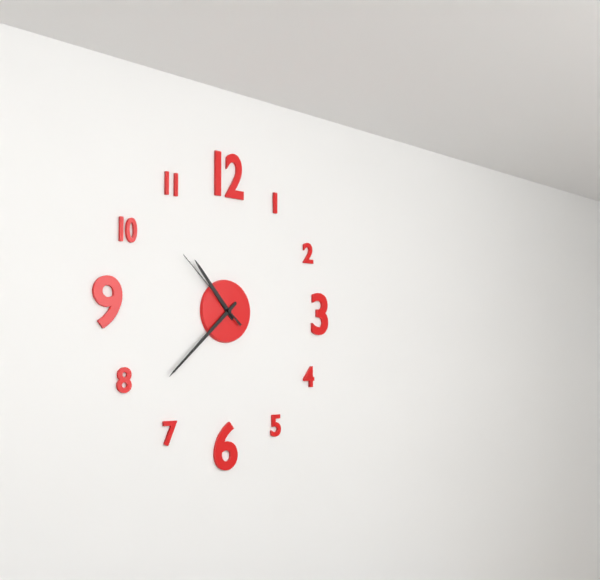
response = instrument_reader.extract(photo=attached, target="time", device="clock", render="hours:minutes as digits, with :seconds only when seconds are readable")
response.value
10:38:52
